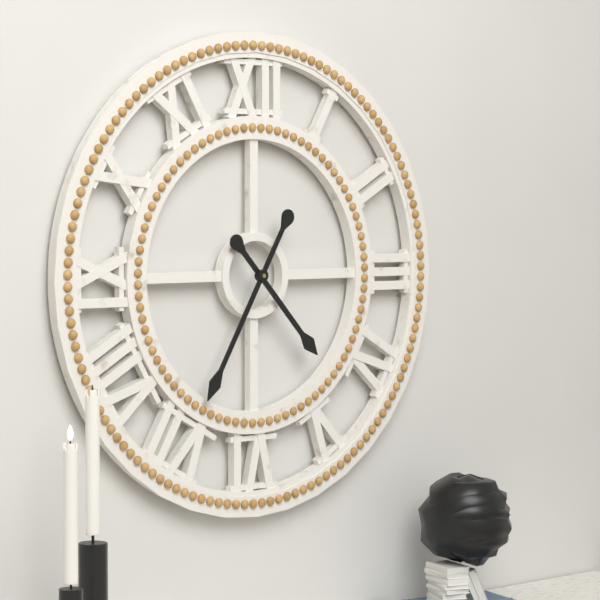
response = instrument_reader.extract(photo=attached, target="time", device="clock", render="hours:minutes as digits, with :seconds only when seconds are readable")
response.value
4:35
